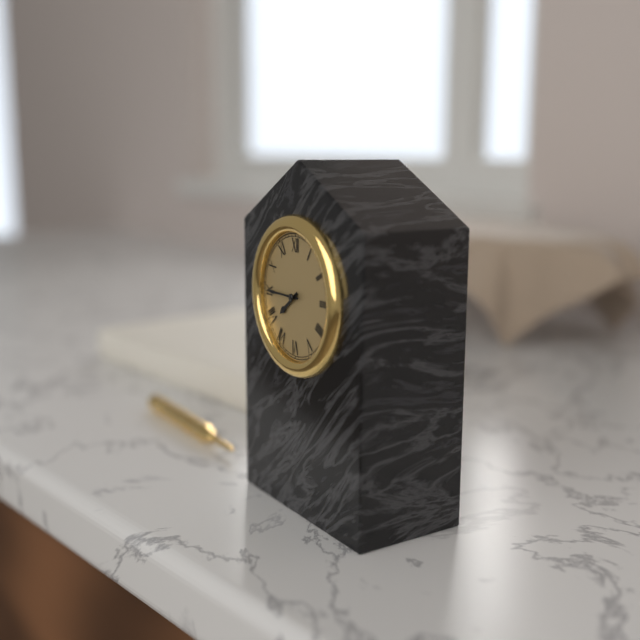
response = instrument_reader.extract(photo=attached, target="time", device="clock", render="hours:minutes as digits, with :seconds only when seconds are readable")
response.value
7:45
